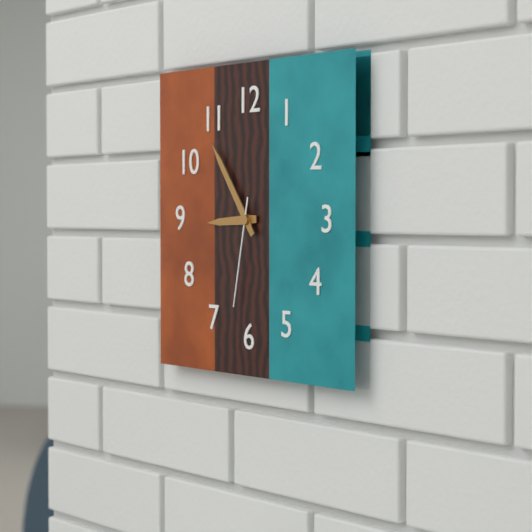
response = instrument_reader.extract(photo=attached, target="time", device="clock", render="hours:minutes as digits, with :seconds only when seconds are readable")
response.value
8:54:32
